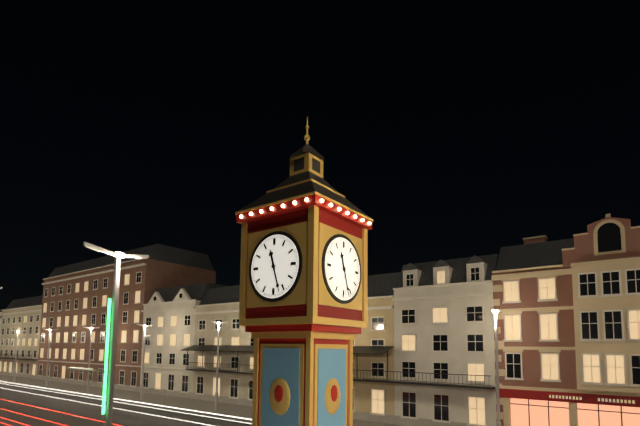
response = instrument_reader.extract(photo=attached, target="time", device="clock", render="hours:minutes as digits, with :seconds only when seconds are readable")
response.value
11:27
